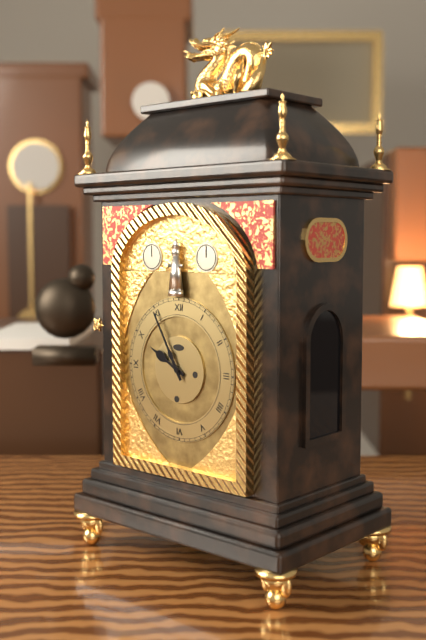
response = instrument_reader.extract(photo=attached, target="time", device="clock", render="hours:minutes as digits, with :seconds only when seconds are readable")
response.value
9:55
